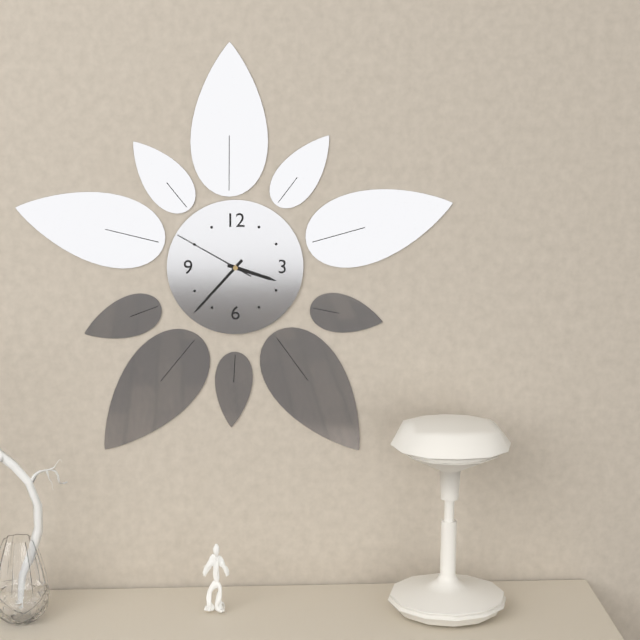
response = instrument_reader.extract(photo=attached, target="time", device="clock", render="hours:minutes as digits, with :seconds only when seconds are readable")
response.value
3:37:50
